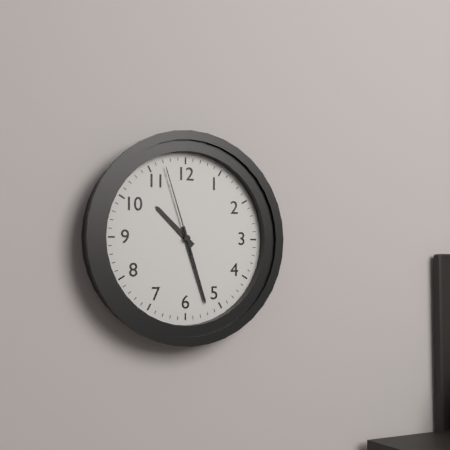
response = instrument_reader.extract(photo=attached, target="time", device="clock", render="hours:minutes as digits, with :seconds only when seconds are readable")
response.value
10:27:57
